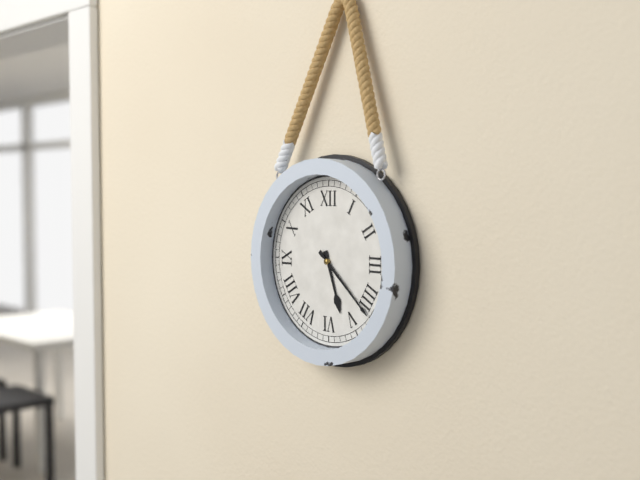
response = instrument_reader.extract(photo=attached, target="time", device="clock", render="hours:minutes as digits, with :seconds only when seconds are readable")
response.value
5:22
